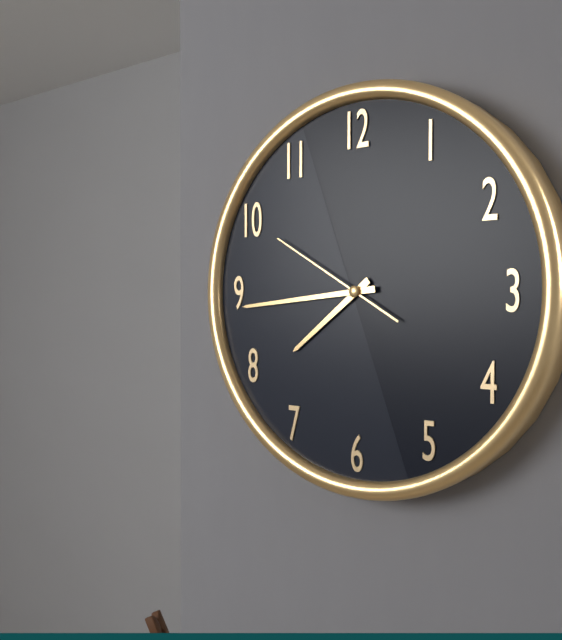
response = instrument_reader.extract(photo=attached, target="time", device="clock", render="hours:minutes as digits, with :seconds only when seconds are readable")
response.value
7:44:50
